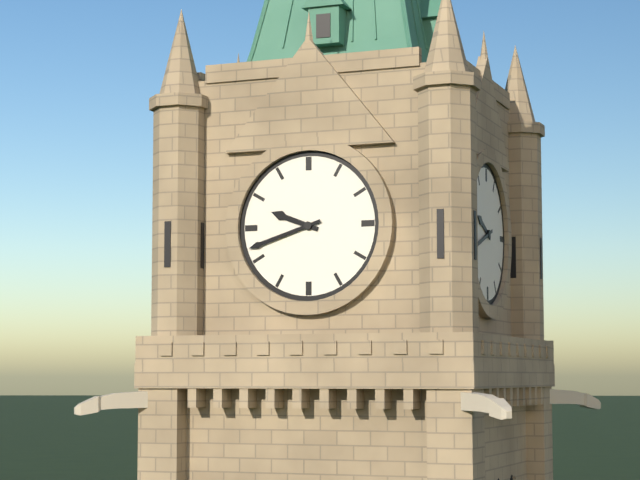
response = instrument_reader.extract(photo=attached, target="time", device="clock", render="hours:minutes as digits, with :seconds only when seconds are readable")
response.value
9:42
